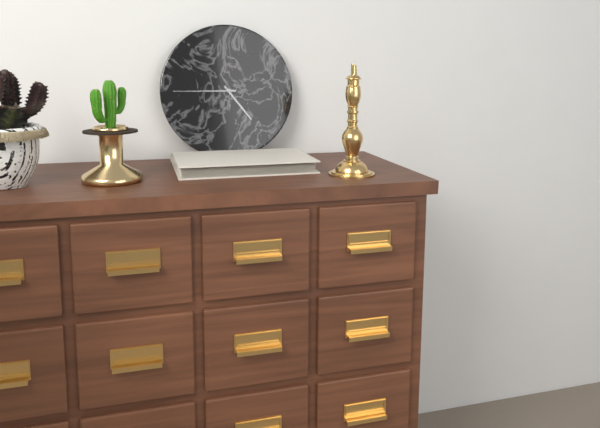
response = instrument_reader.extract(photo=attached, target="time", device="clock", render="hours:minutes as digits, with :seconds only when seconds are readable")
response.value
4:45
